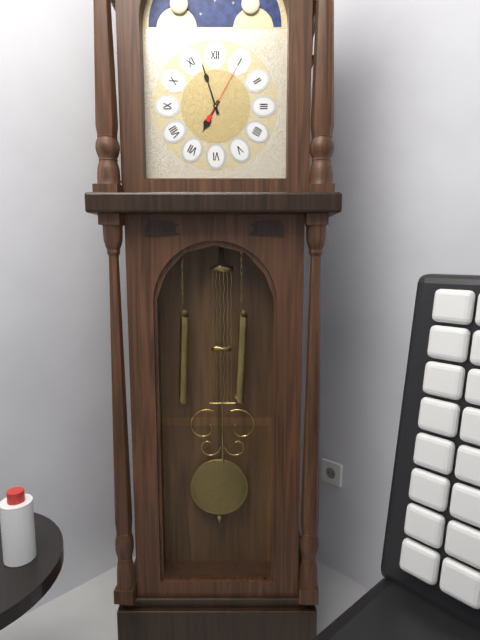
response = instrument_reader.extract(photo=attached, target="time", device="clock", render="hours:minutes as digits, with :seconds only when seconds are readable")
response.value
6:57:05
